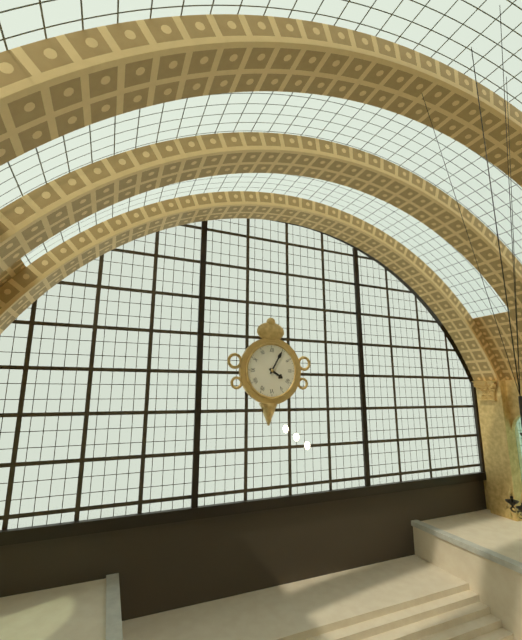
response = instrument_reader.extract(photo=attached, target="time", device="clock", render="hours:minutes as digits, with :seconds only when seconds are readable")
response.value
4:05
